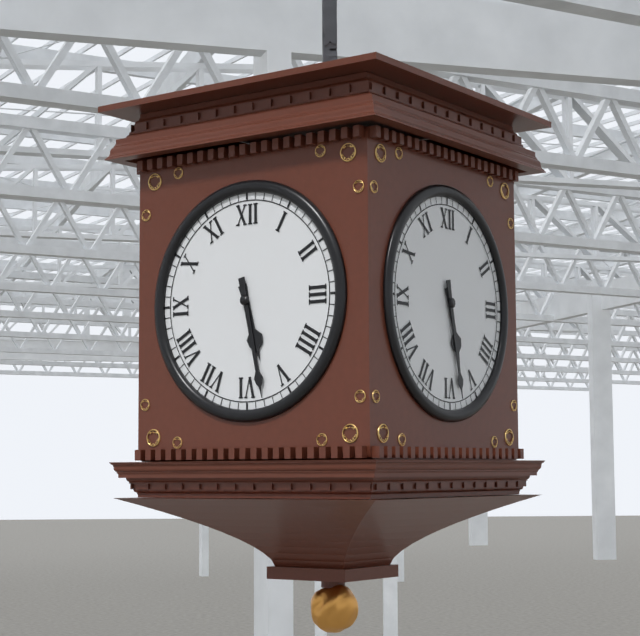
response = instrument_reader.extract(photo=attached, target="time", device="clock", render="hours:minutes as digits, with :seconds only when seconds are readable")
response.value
5:28
